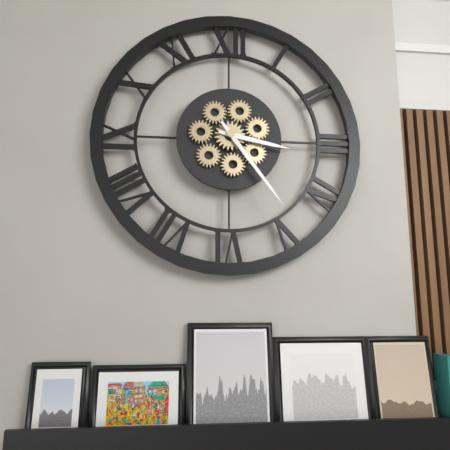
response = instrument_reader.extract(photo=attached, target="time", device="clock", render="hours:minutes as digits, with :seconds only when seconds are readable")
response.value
3:24
